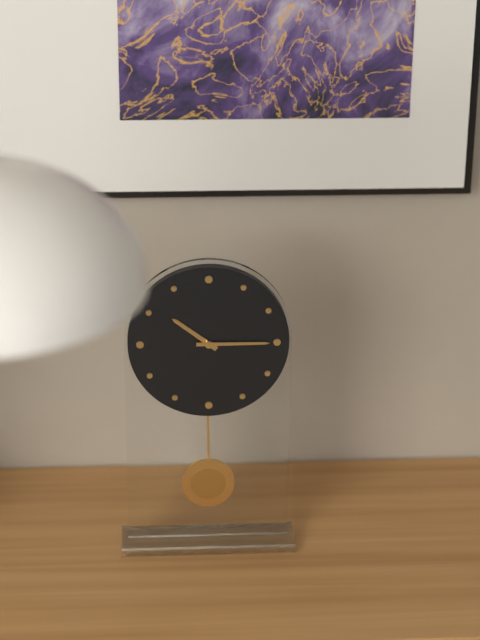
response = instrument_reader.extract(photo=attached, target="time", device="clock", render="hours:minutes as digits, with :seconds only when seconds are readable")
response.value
10:15
